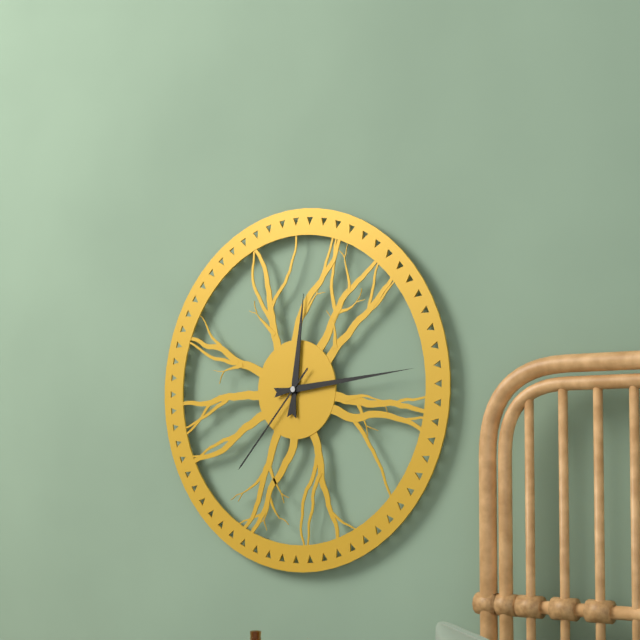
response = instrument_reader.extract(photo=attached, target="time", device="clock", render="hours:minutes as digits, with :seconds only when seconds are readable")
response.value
12:14:37
